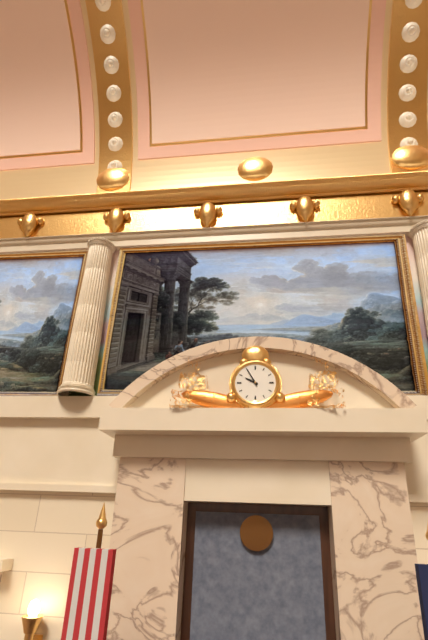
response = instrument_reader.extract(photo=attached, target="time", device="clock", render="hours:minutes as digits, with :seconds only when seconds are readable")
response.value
9:55
